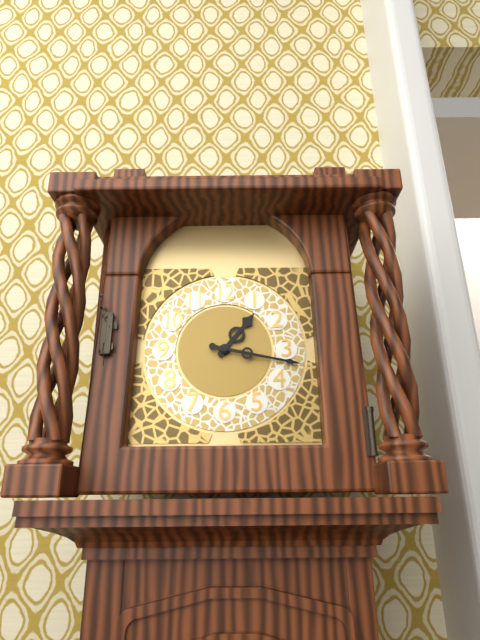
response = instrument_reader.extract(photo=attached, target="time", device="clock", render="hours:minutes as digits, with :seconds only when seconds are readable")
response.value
1:17
